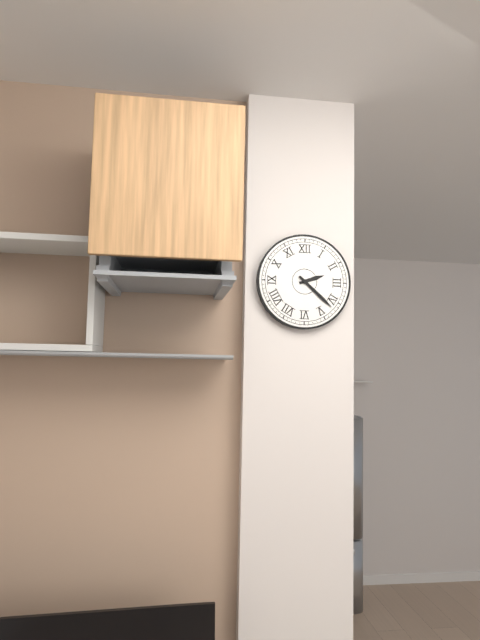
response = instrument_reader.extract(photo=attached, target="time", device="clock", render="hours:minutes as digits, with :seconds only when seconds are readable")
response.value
2:22
